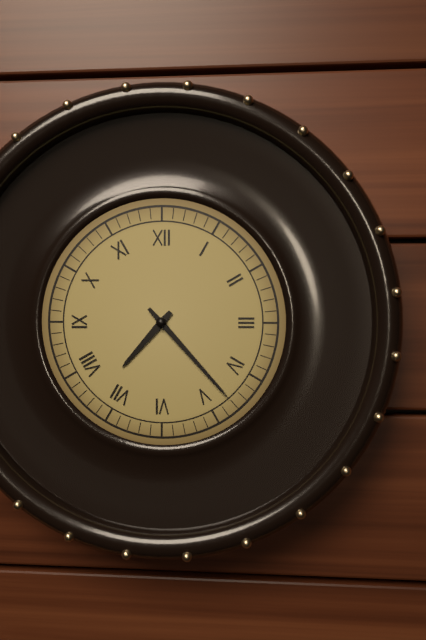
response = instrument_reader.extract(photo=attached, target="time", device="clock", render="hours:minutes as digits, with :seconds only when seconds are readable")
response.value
7:23
